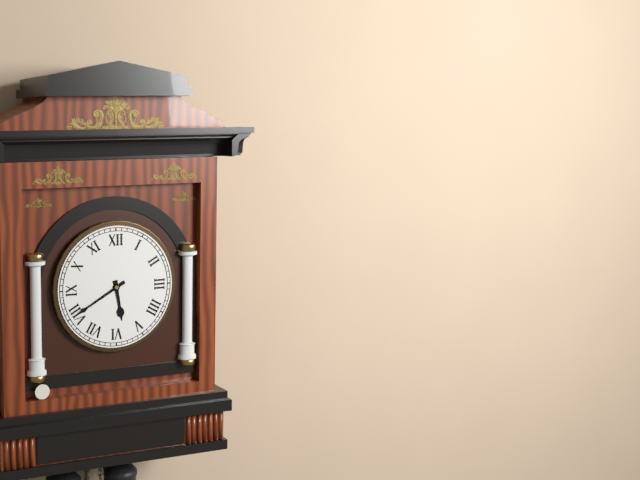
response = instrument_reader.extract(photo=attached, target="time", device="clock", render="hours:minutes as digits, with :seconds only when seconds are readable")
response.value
5:40
